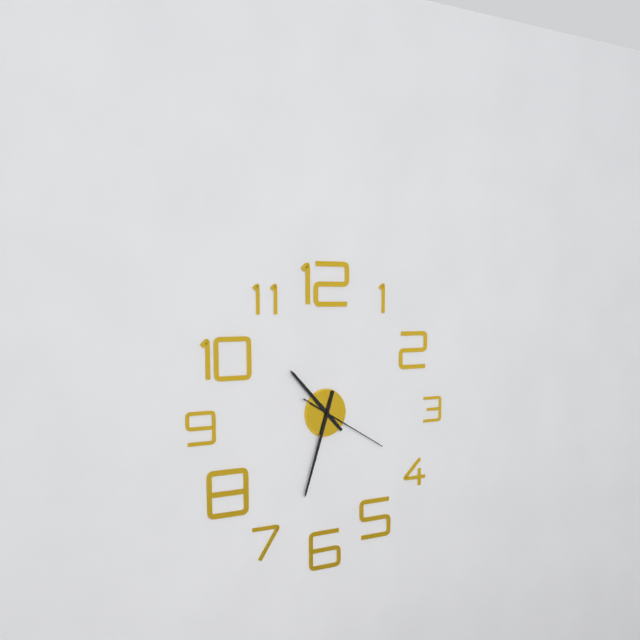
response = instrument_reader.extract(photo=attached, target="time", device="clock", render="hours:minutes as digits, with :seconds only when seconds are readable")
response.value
10:33:20
